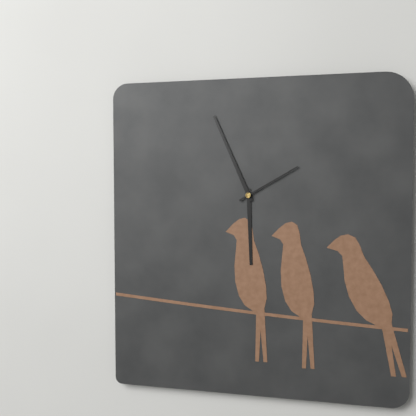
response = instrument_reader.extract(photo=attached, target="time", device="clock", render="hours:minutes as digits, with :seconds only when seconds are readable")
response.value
5:56:10
